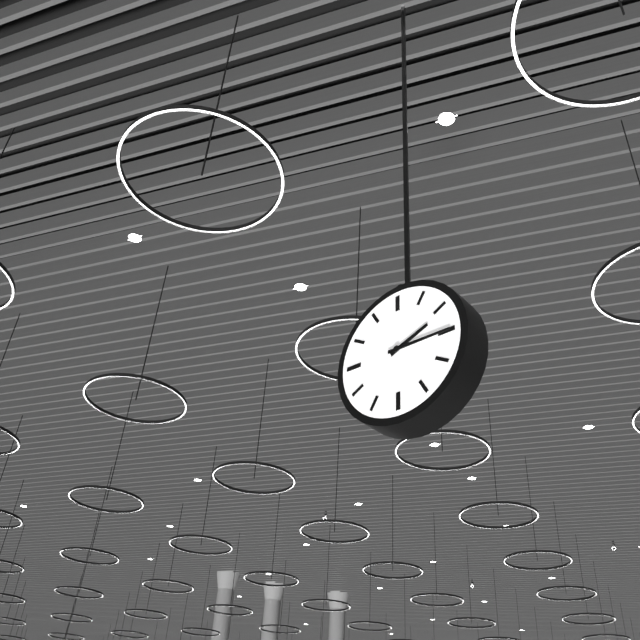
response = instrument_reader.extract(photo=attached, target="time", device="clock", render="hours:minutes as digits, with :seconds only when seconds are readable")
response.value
2:15
